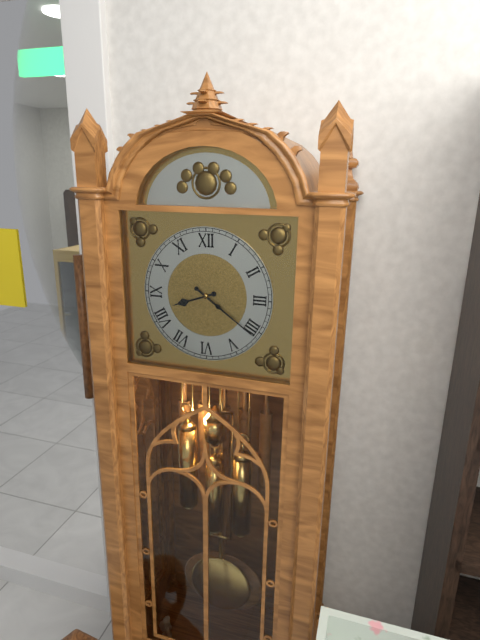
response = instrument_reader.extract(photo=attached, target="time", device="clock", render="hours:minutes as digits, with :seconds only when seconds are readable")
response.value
8:21
